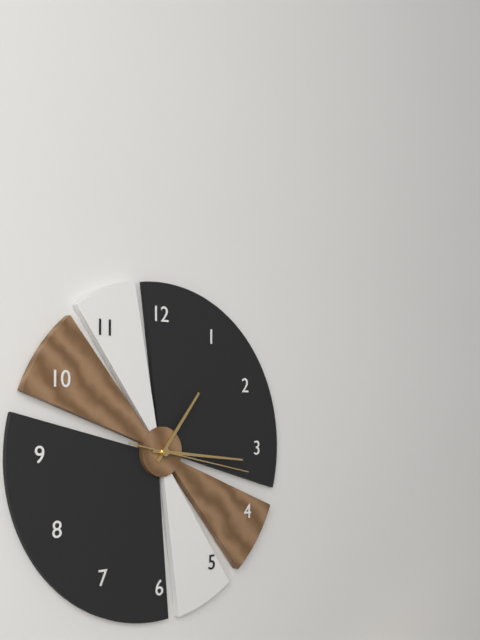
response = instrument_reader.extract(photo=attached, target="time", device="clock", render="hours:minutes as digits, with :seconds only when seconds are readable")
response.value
1:16:17
